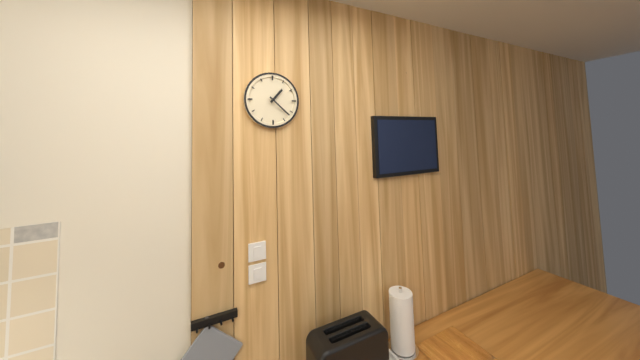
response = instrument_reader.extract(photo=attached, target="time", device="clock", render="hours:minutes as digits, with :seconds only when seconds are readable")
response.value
1:22
